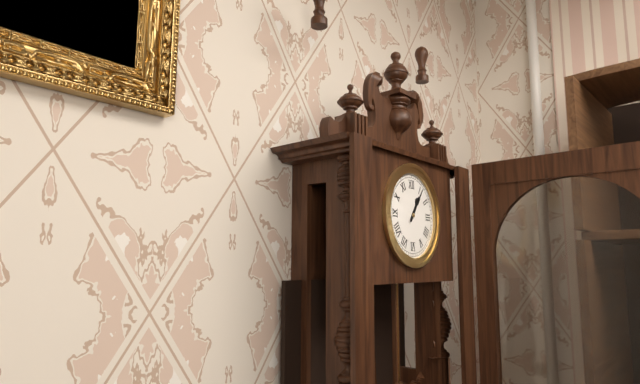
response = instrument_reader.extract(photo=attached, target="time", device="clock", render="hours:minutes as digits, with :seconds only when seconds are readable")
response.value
1:06
